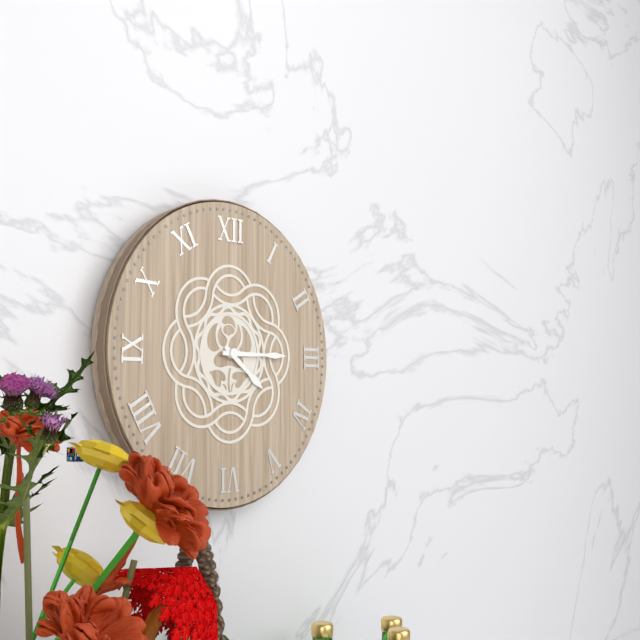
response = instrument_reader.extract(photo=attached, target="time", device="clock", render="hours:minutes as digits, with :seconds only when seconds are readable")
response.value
4:15
